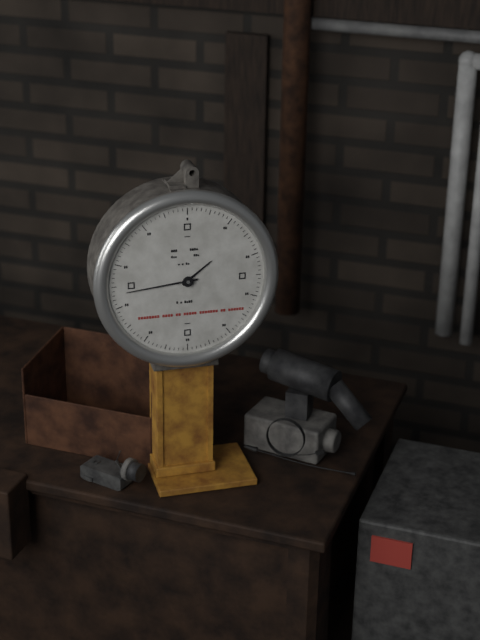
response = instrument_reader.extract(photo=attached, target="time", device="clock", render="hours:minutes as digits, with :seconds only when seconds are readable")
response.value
1:44
